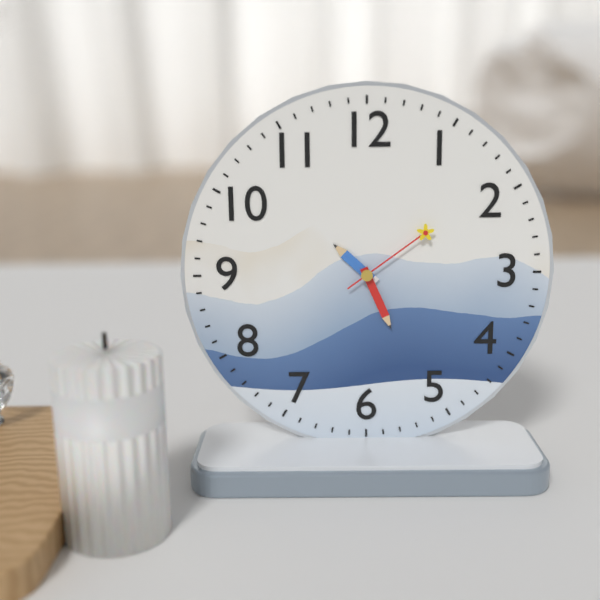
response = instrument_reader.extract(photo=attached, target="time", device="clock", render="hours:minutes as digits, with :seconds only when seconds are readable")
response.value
10:26:09
